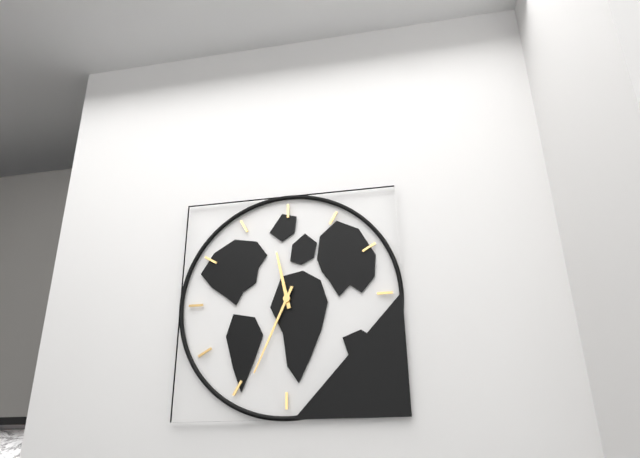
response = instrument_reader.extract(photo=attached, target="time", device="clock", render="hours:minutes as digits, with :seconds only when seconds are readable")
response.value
11:34
